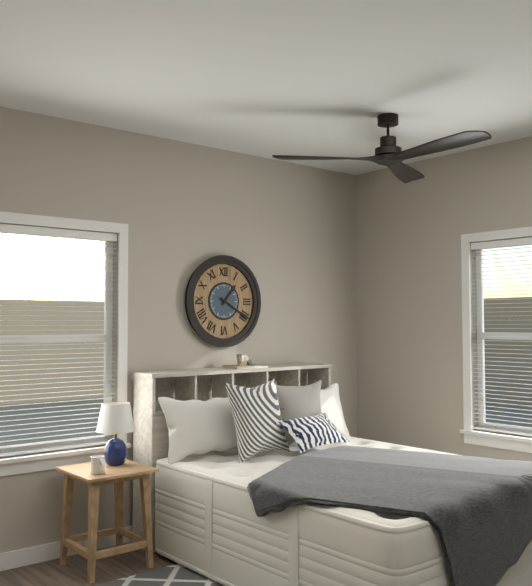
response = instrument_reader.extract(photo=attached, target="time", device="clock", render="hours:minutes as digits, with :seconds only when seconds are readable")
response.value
1:20
